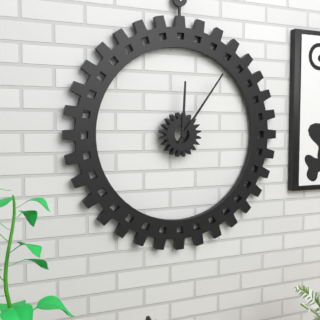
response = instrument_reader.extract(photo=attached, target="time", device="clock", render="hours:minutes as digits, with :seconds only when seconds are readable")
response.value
12:06
